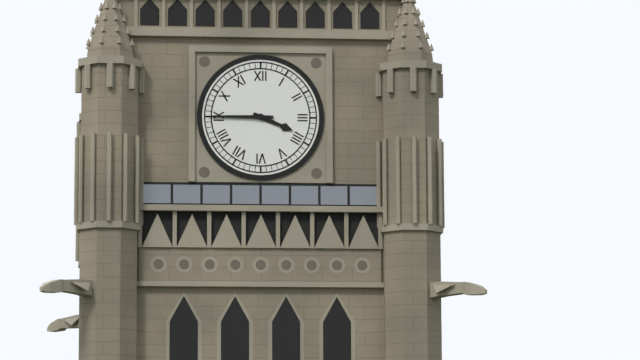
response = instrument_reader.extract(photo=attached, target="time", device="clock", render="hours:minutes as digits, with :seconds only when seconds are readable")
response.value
3:45
